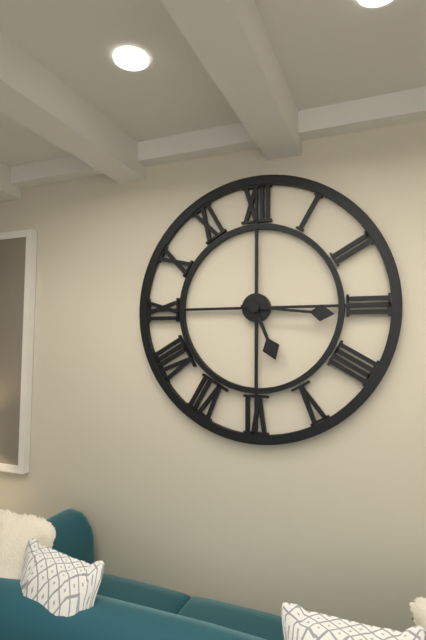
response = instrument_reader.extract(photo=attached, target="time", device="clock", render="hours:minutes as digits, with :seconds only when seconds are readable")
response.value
5:16
